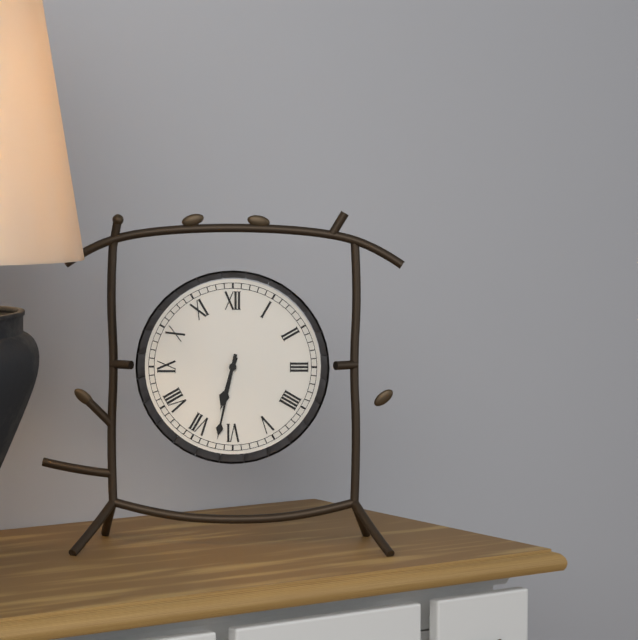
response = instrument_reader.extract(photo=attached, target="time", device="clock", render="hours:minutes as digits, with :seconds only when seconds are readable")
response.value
6:32
